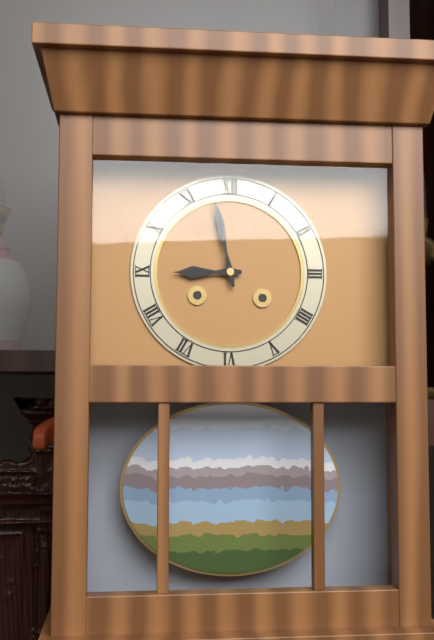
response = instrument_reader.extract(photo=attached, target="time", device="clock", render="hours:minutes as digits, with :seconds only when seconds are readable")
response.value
8:58
